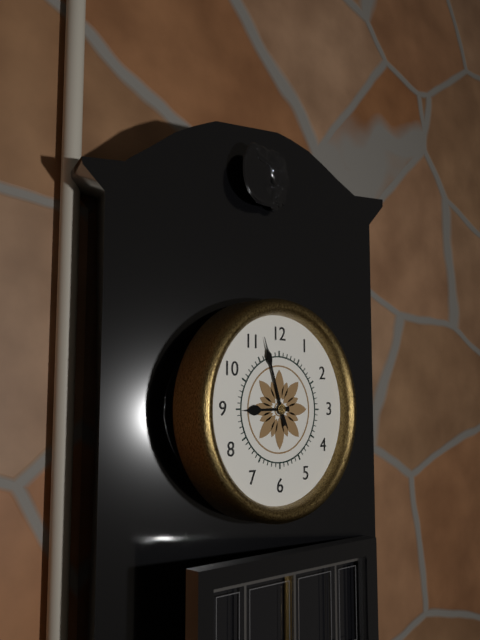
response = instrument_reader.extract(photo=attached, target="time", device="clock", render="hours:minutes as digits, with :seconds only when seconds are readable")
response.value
8:57
